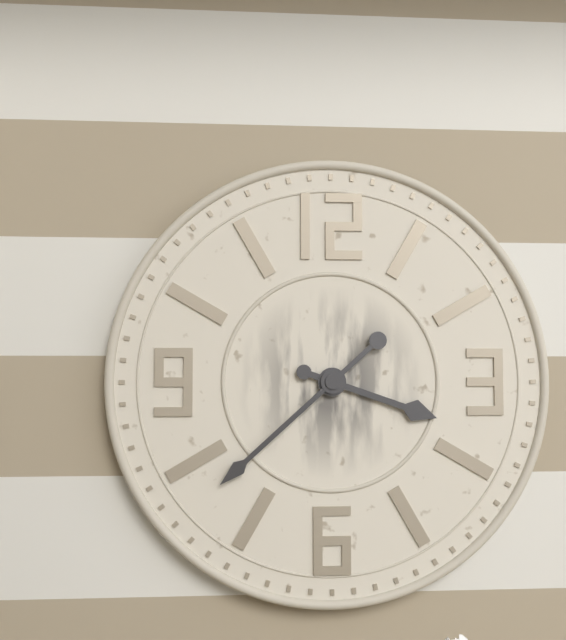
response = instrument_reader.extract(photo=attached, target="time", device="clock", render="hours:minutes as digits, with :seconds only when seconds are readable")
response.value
3:38
